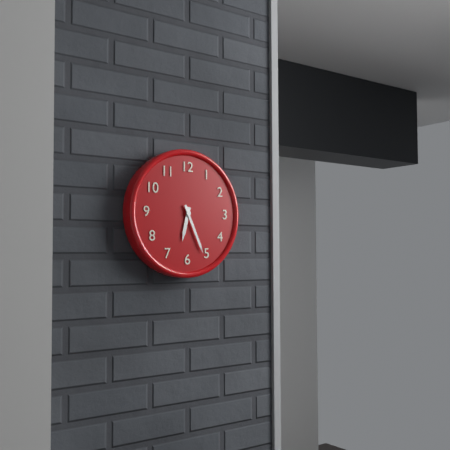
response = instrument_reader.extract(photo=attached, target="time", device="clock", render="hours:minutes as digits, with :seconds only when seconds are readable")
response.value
6:26
